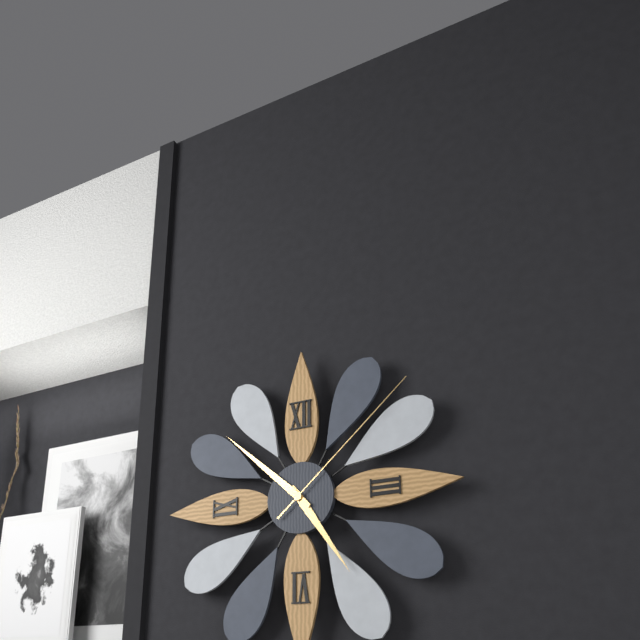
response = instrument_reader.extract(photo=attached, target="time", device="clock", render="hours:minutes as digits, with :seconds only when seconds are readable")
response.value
4:52:08
